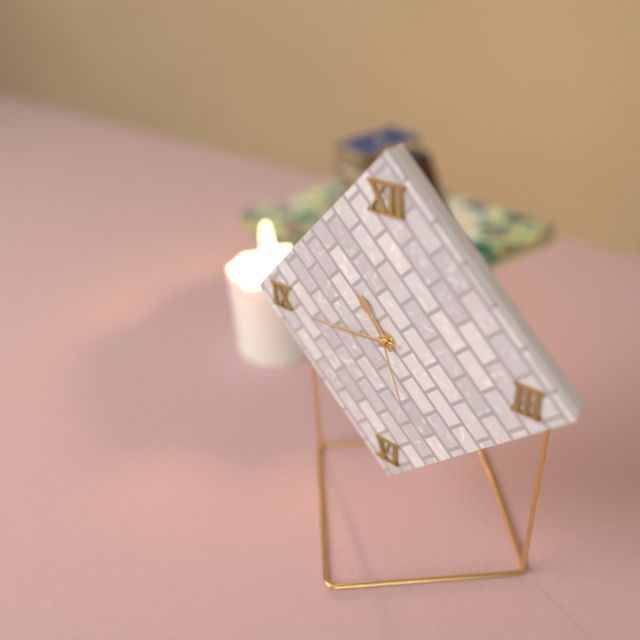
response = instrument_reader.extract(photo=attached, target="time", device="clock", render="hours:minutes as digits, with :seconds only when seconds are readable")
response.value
10:44:27
